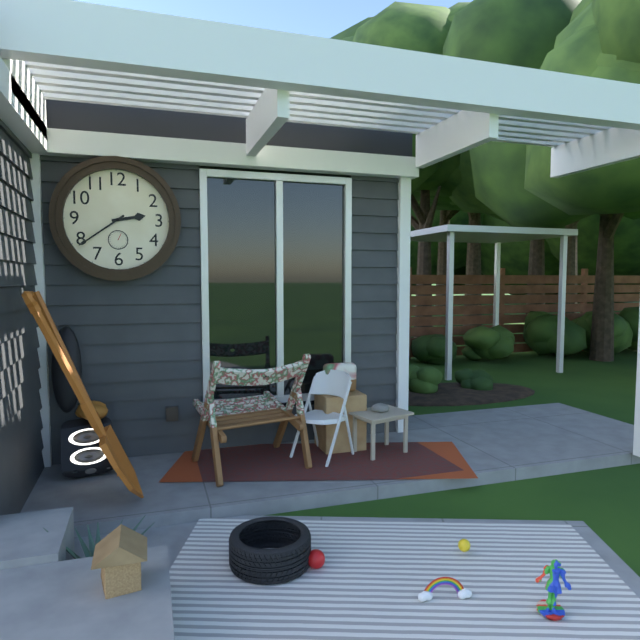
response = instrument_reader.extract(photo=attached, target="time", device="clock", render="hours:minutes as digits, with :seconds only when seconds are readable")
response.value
2:39
